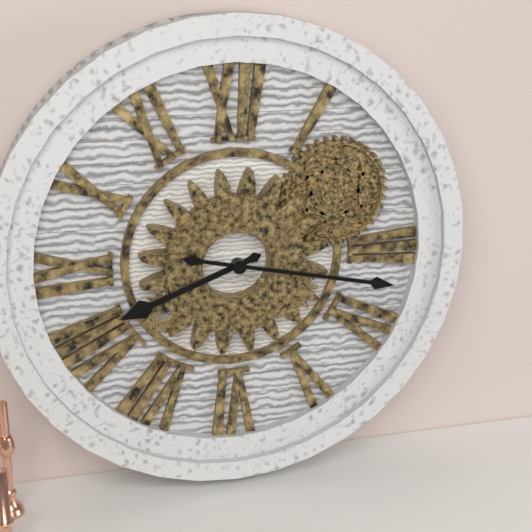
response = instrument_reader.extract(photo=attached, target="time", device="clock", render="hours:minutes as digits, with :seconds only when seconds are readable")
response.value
8:17
